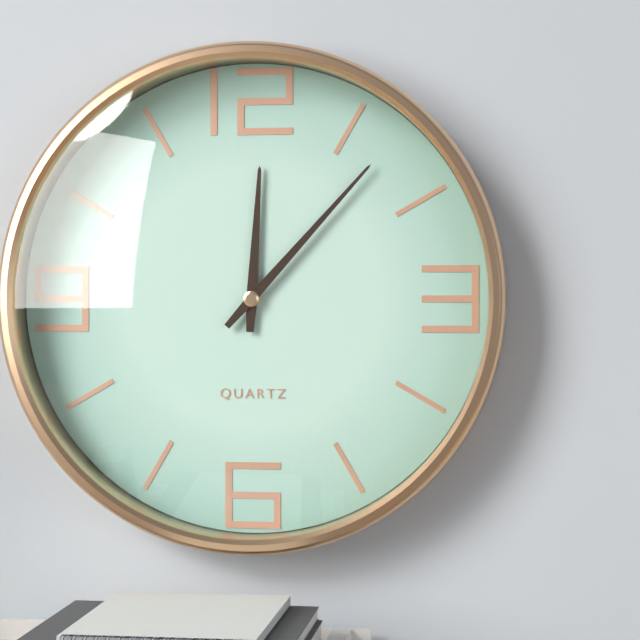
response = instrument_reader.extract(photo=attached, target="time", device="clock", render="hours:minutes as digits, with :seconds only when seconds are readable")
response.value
12:07
